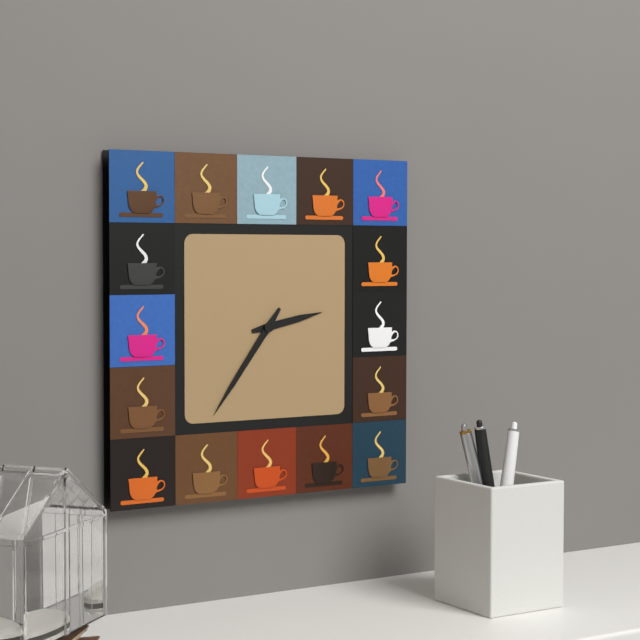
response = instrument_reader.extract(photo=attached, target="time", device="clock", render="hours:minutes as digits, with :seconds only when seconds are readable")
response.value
2:36
